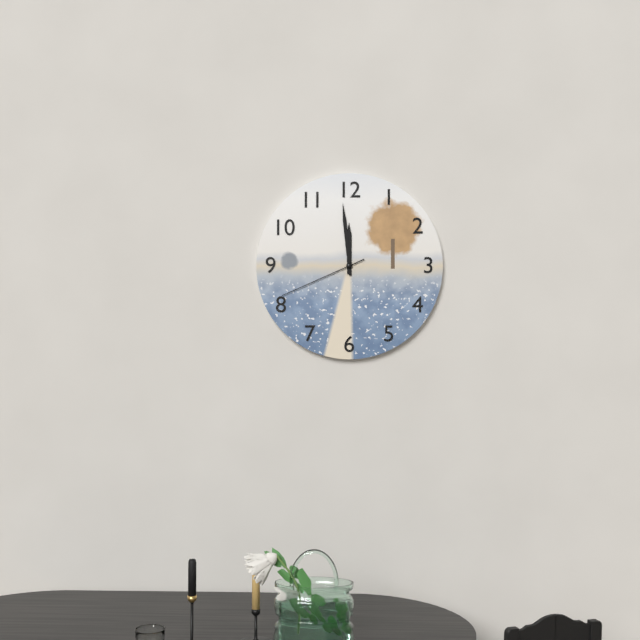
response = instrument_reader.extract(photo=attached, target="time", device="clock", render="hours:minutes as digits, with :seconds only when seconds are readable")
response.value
11:59:41
